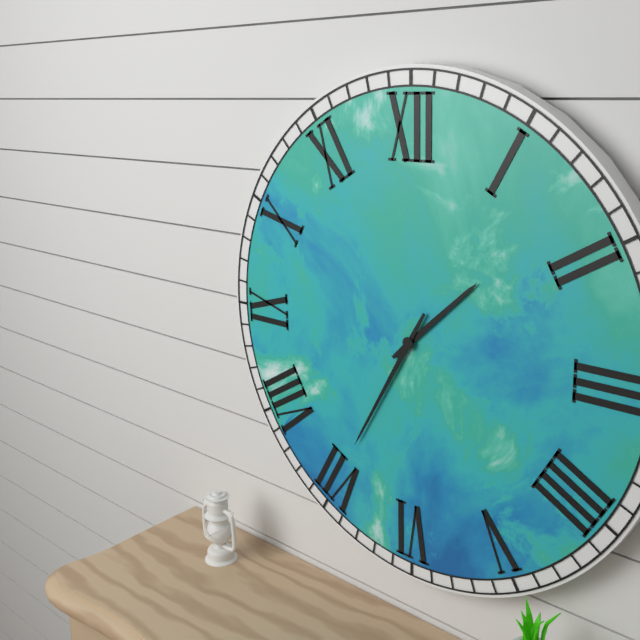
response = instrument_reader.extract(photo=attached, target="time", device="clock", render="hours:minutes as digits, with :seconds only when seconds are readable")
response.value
1:35
